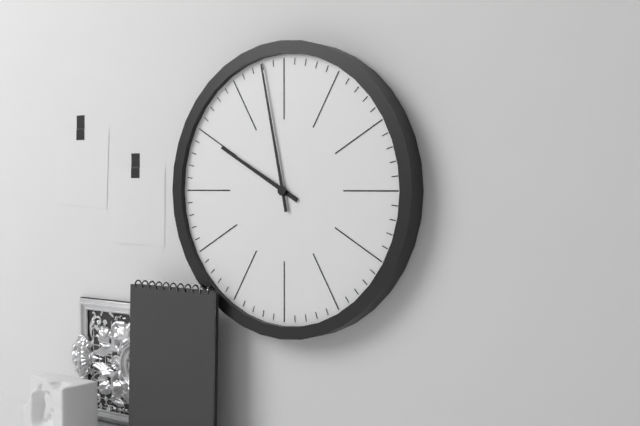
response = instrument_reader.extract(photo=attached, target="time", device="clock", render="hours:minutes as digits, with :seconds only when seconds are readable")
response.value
9:58
